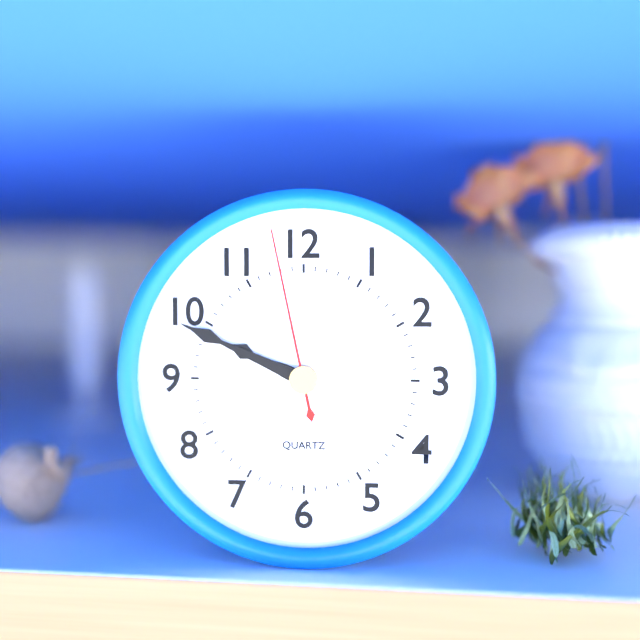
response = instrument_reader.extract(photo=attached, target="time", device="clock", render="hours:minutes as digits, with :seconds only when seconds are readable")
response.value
9:49:58
